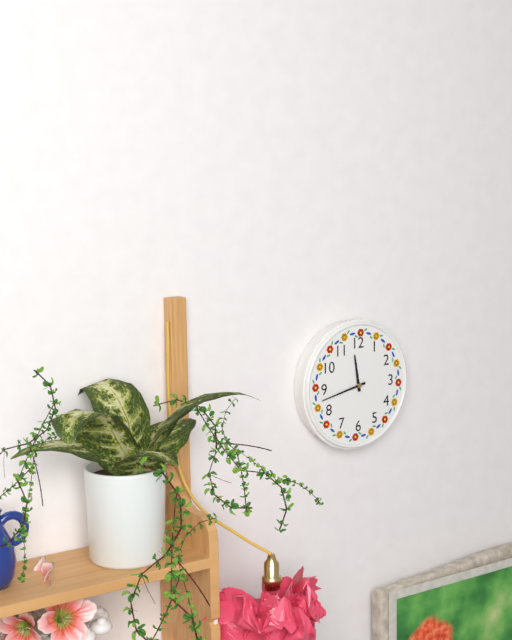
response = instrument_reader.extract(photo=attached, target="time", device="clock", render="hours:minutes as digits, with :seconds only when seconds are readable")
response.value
11:43
